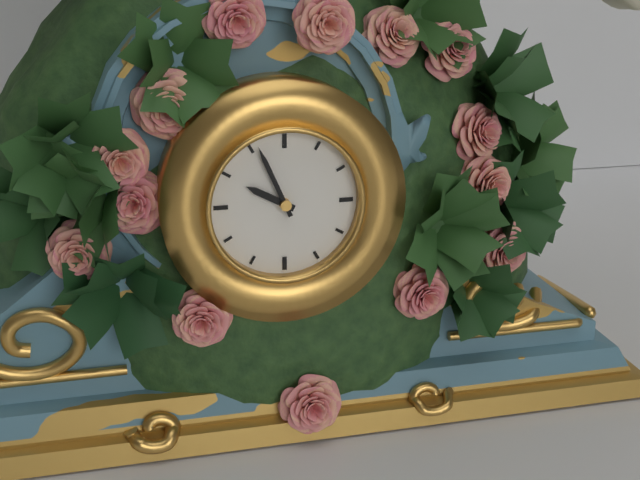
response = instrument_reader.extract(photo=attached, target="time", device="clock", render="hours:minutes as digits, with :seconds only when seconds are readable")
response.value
9:56
